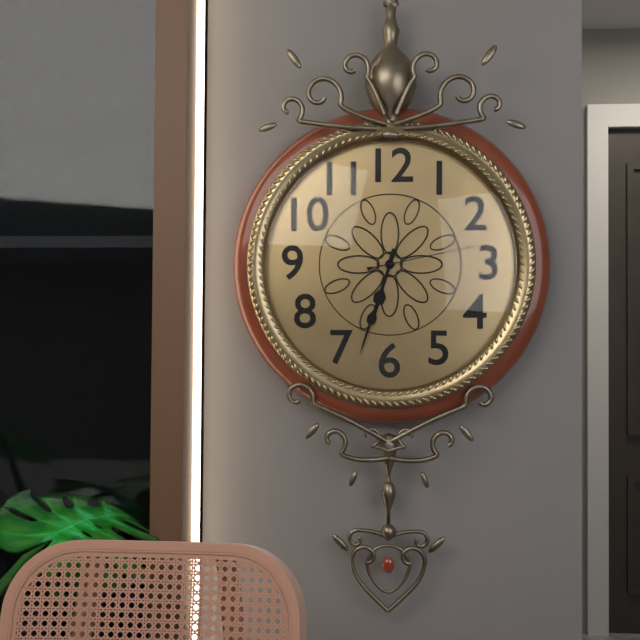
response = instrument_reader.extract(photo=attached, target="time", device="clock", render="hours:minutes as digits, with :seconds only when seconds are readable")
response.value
6:33:13
